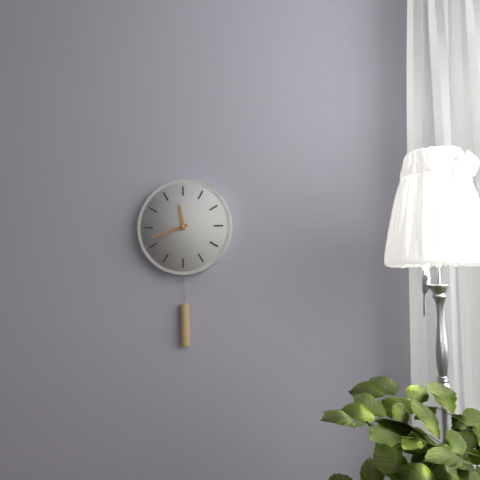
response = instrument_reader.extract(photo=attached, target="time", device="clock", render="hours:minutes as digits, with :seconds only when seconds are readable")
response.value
11:42
